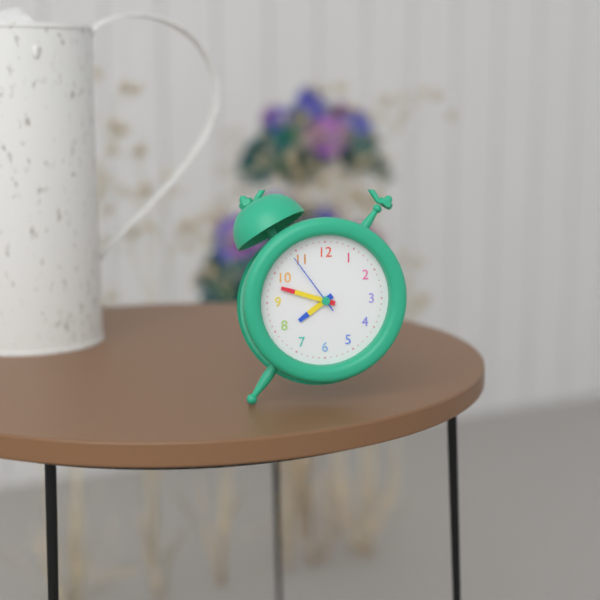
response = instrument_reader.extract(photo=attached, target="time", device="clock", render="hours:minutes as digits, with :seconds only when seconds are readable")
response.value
7:48:54
